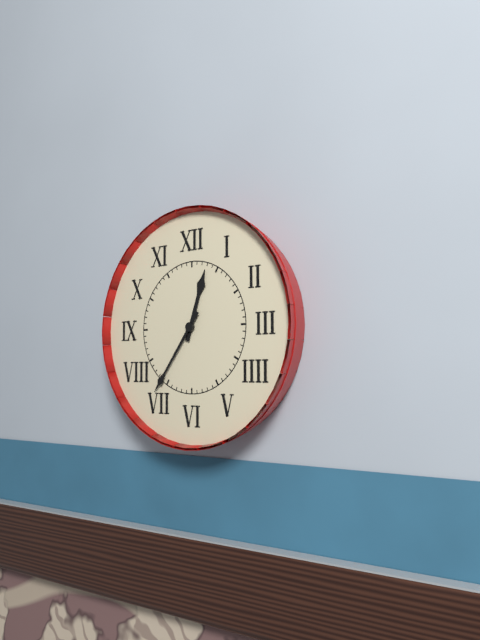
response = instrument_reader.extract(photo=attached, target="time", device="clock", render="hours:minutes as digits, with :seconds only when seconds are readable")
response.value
12:36
